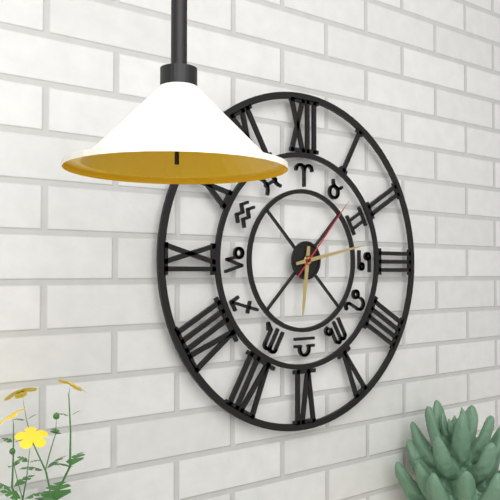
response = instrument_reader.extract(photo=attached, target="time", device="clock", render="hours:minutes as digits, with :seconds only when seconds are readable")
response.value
6:13:07
